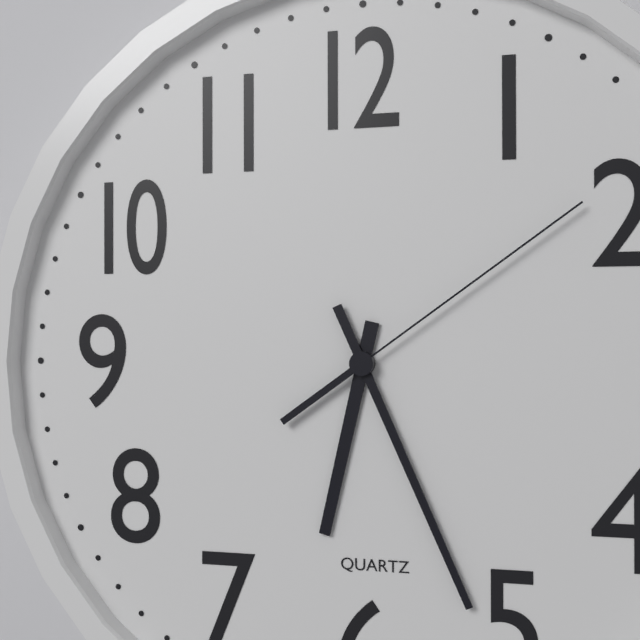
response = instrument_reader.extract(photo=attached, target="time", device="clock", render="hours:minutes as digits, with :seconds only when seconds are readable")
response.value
6:26:09
